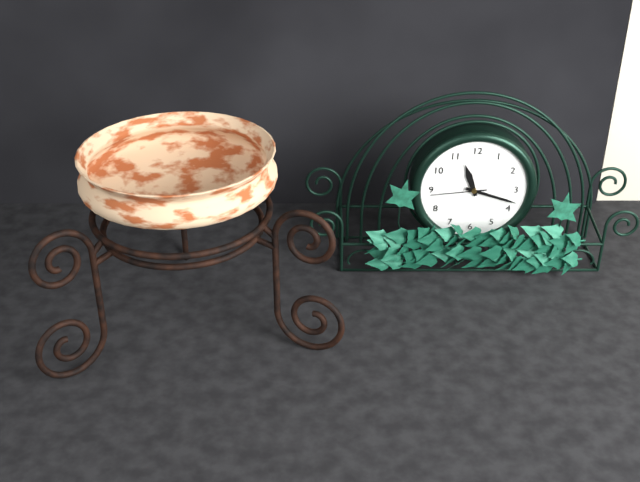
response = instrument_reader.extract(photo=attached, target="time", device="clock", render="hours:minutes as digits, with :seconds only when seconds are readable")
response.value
11:18:44
